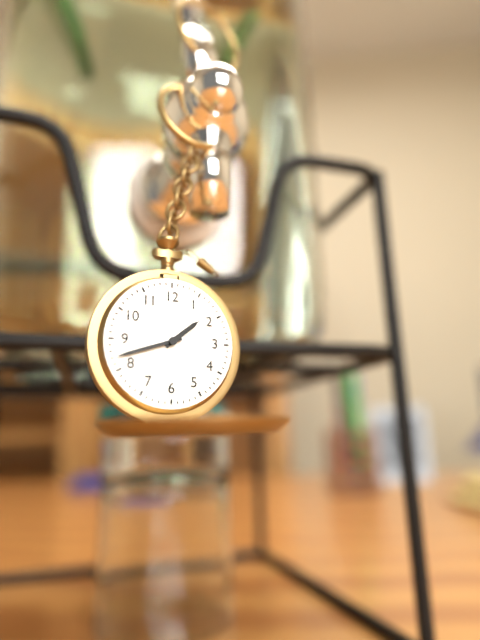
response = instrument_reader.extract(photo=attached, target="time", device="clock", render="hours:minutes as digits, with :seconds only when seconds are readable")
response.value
1:42
